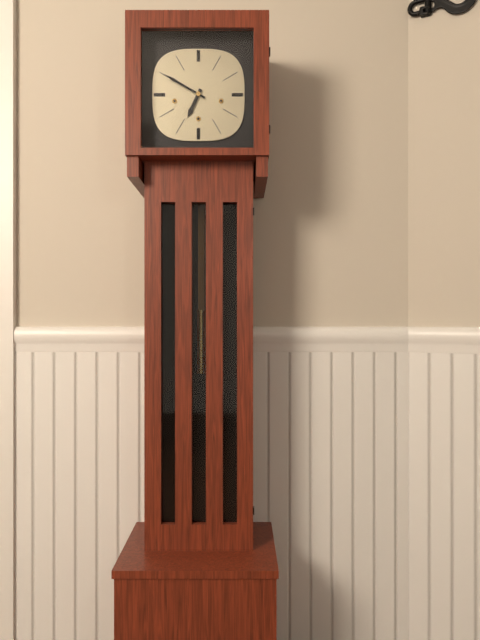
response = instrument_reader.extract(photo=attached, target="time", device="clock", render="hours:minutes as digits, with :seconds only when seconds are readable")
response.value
6:50
